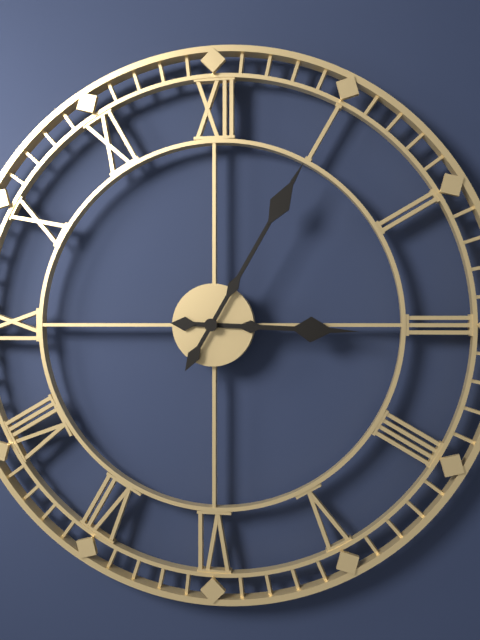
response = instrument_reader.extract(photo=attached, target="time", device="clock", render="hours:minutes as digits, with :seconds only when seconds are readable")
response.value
3:05
